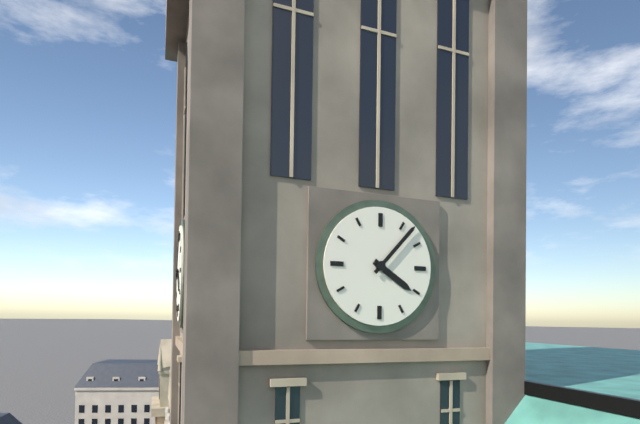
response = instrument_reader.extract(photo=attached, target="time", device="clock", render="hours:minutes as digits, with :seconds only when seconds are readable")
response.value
4:07
